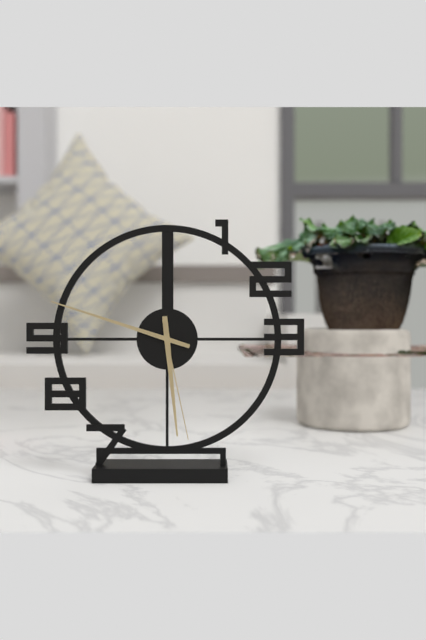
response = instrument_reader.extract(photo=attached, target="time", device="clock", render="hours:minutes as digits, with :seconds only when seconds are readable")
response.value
5:48:28
